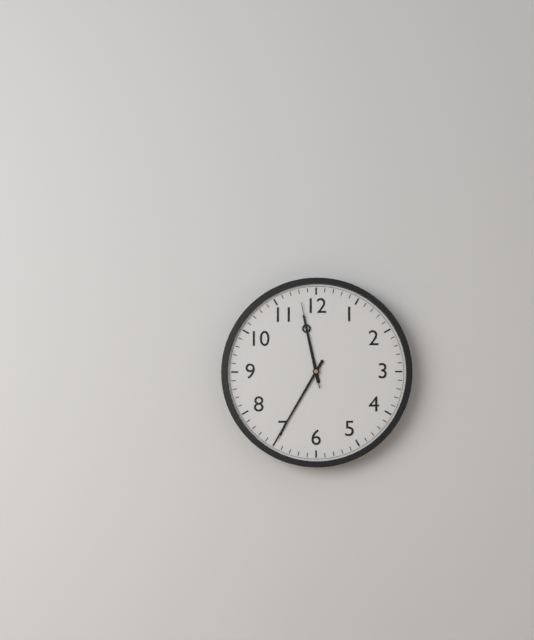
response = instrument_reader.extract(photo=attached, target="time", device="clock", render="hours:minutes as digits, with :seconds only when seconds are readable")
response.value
11:35:58
